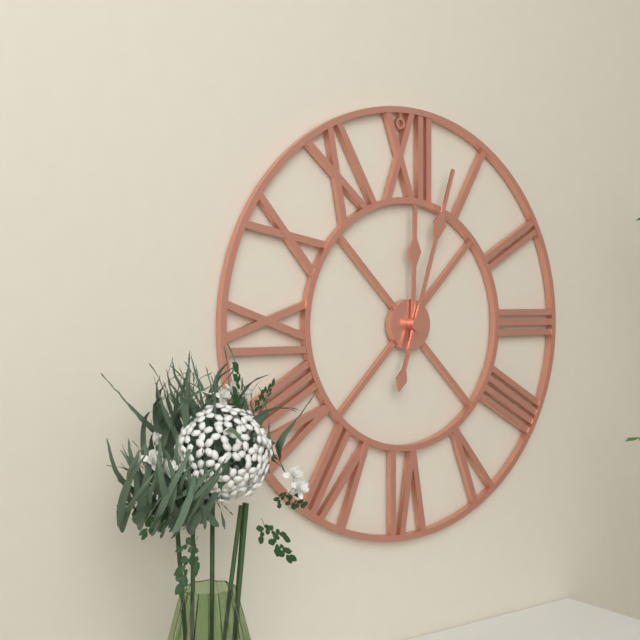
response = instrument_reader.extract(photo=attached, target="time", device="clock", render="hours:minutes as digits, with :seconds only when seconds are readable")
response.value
12:03
